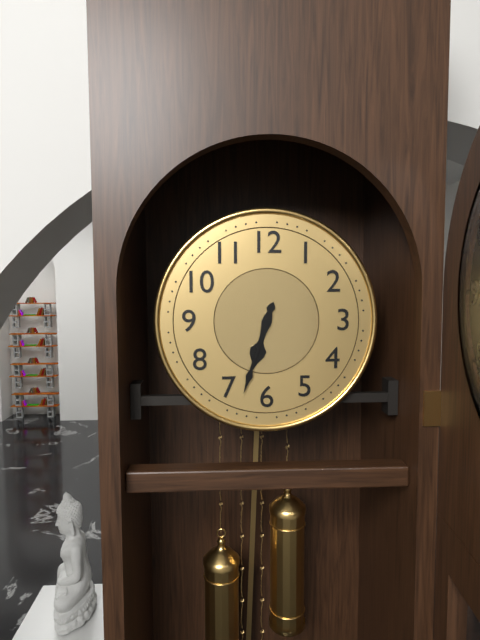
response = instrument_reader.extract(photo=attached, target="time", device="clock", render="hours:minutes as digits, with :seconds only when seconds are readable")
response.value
6:33
